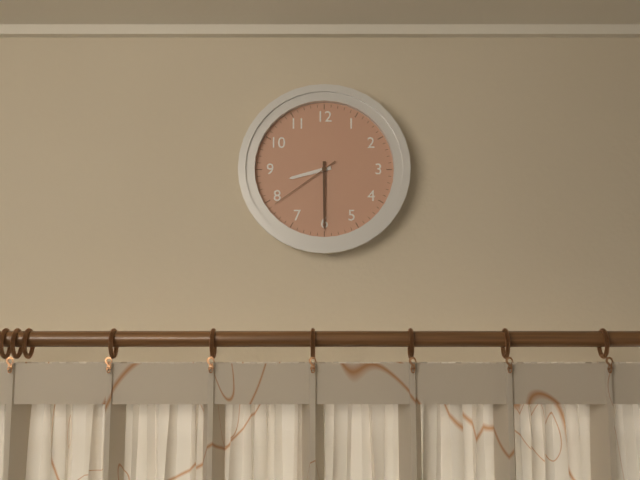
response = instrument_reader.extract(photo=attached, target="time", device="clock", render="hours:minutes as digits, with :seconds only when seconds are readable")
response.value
8:30:39
